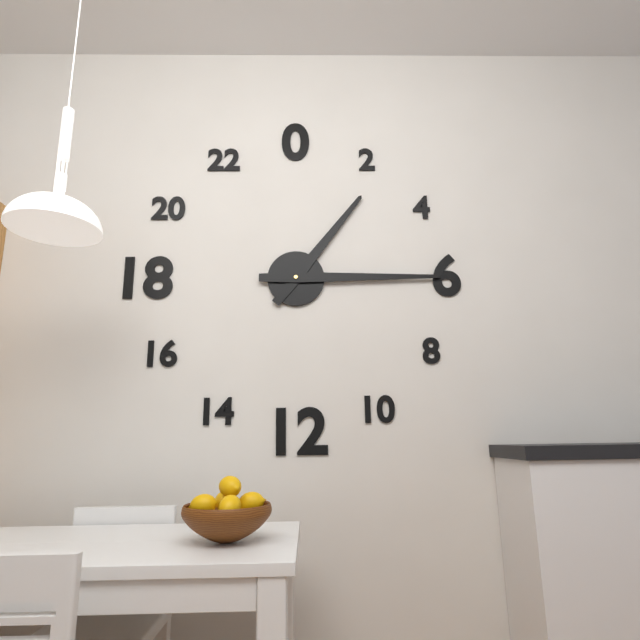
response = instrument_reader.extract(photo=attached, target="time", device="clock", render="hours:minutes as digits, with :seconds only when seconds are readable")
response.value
1:15
